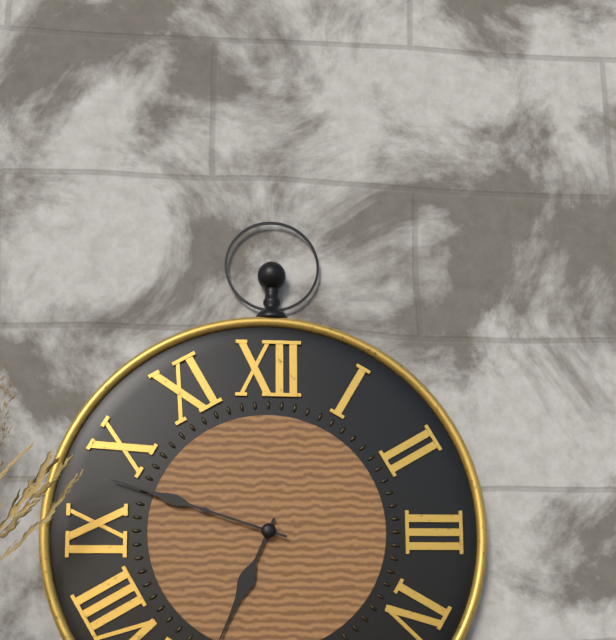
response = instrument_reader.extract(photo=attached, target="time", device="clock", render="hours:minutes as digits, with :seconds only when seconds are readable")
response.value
6:48
